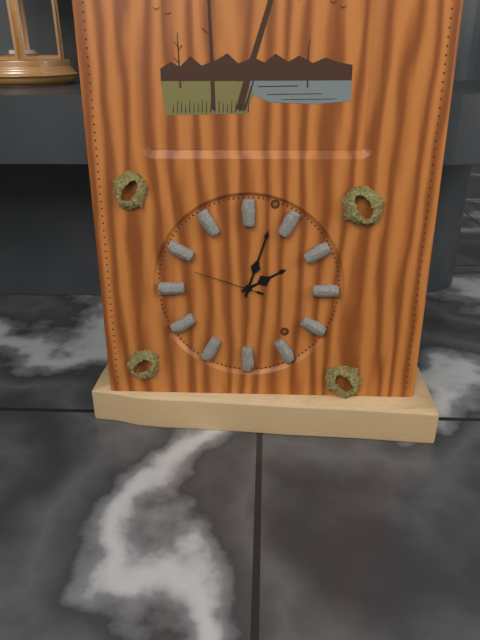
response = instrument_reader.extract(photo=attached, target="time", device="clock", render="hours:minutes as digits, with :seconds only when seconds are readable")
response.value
2:03:48
